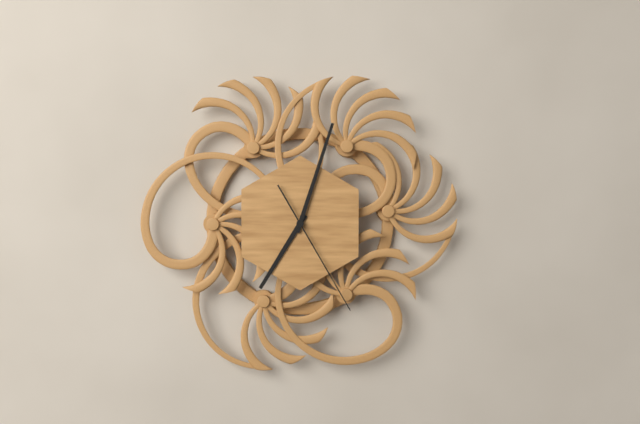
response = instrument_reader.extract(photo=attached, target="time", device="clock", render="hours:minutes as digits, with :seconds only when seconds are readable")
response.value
7:03:25
